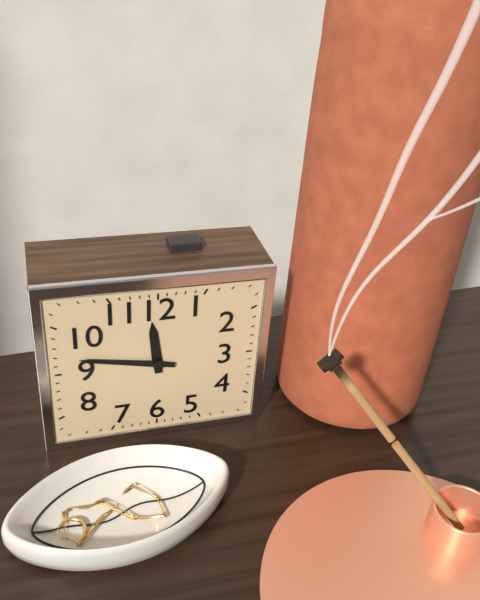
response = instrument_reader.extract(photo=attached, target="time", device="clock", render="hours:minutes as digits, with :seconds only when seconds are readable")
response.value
11:47
